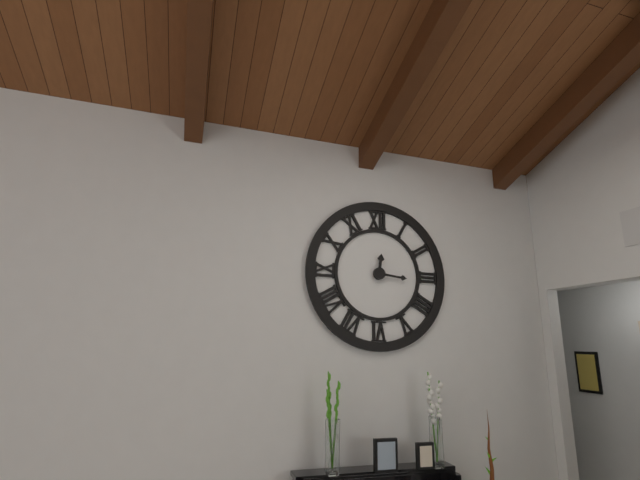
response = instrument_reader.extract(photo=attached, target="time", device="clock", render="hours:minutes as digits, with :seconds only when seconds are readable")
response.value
12:16
